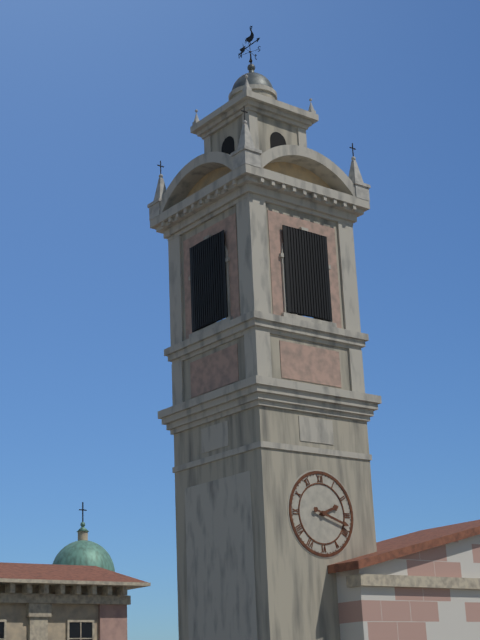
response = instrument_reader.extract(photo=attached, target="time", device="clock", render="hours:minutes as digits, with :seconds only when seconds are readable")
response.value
2:18
